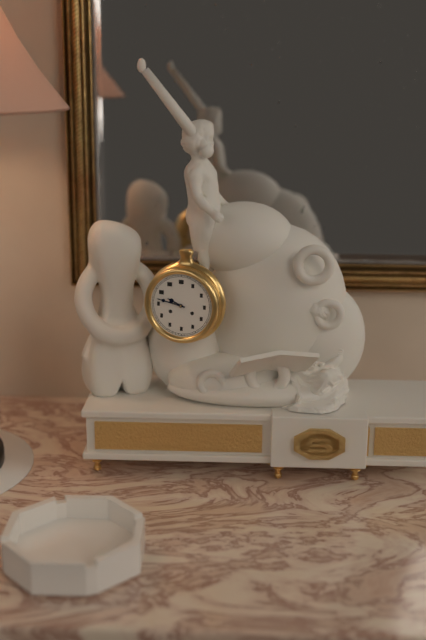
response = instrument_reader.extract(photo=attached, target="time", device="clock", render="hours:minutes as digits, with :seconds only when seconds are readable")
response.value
9:47
